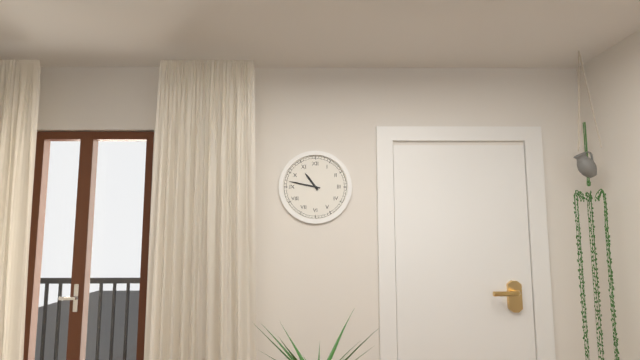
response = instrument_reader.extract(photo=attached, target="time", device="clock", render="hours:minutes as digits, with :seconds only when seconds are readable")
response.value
10:47
